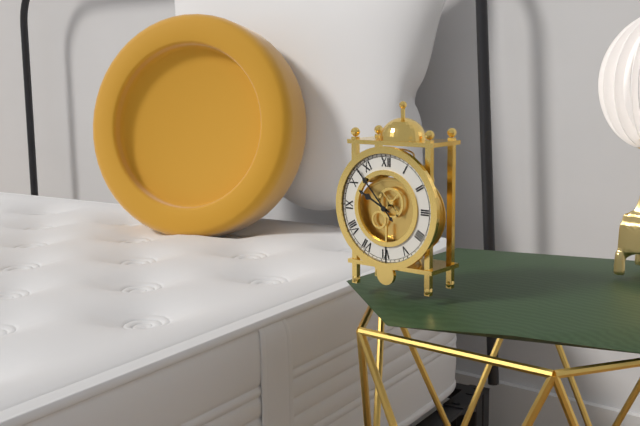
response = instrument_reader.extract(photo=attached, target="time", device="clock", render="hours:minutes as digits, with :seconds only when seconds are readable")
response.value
9:53
